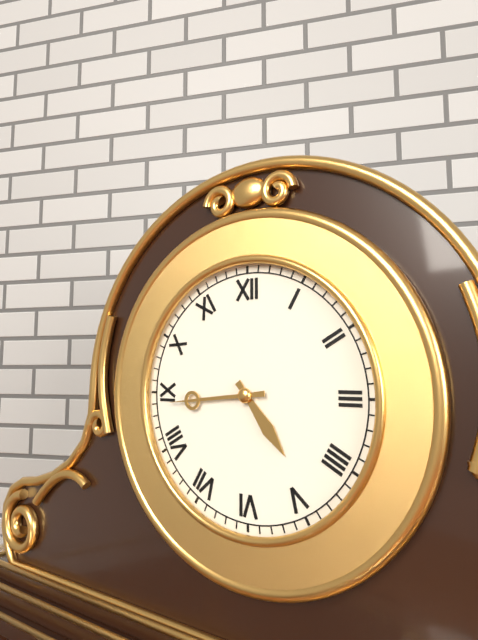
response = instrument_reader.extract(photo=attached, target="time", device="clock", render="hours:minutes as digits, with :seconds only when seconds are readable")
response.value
4:44
